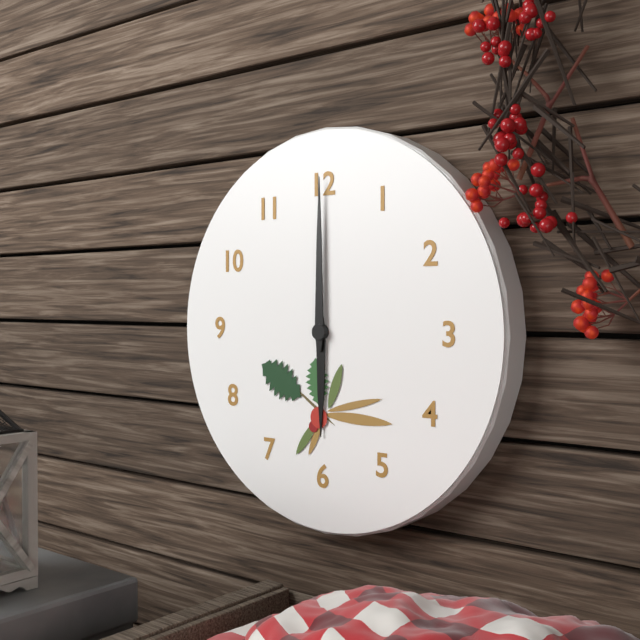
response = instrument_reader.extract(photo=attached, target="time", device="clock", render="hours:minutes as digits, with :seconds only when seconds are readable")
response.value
6:00
